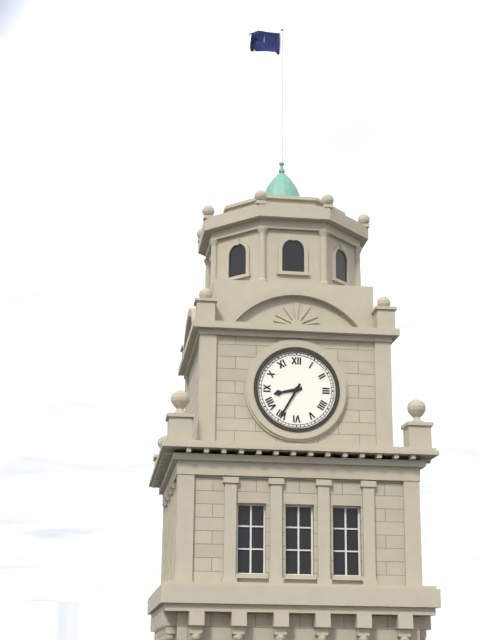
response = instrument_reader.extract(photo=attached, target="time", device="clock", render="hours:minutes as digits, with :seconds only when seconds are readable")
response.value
8:35
